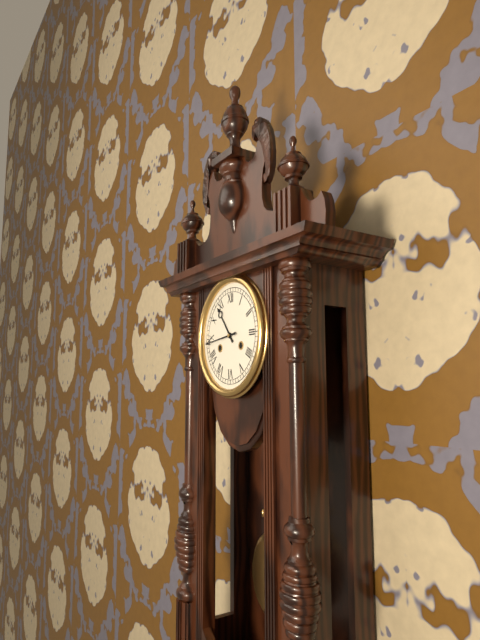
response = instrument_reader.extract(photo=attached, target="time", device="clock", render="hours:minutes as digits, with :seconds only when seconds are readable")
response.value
10:44
